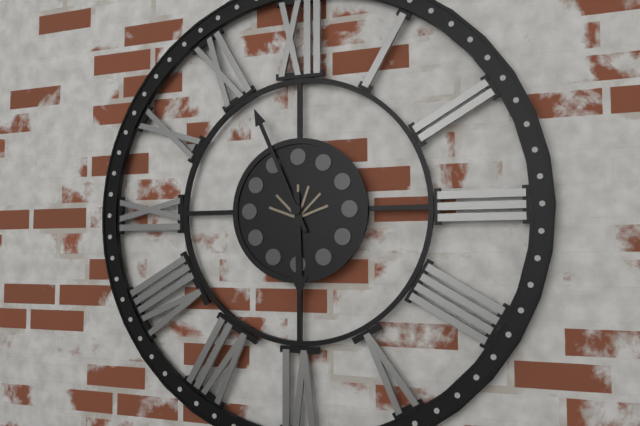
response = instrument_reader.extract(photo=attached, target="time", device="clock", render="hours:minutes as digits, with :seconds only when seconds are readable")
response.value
5:56
